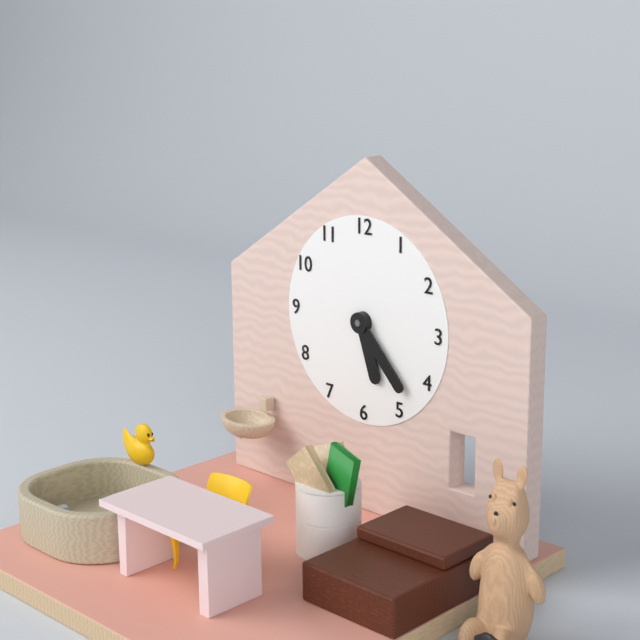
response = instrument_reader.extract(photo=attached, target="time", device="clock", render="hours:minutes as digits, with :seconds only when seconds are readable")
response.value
5:23
